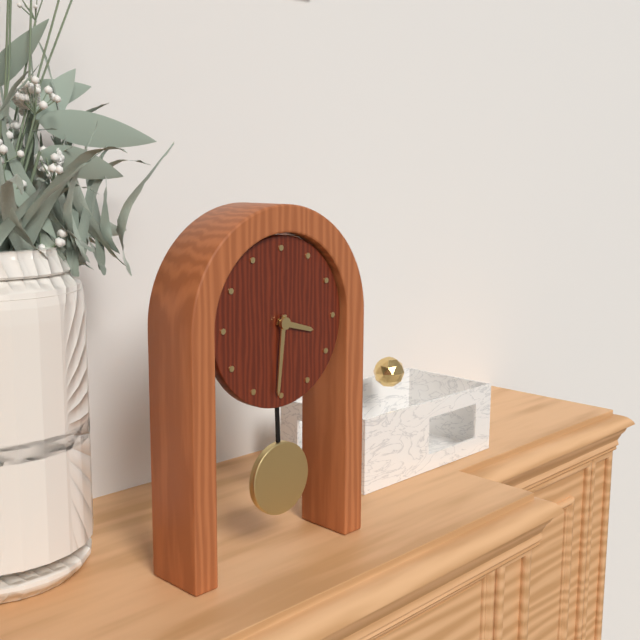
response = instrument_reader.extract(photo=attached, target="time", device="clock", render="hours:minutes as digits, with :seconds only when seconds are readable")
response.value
3:31
